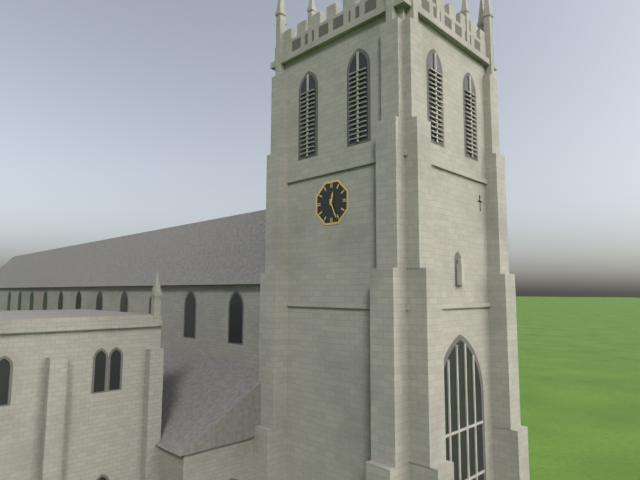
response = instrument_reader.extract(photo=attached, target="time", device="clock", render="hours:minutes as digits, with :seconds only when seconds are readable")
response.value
12:26
